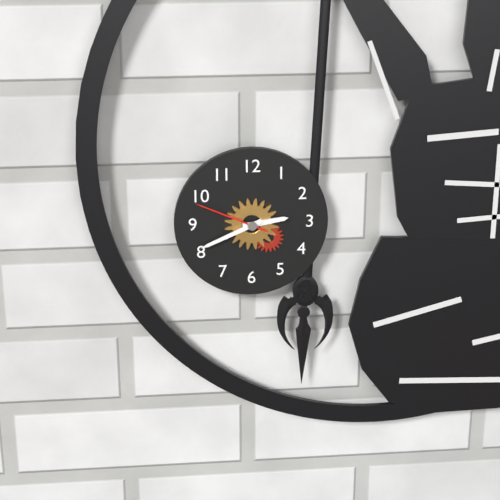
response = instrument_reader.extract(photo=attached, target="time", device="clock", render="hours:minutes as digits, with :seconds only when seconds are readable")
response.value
2:41:49
